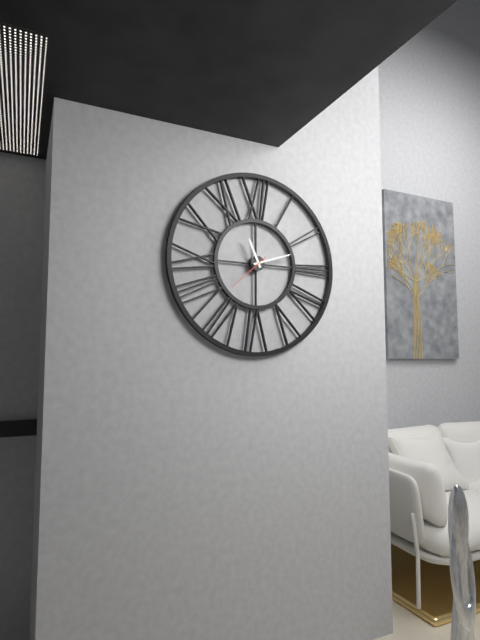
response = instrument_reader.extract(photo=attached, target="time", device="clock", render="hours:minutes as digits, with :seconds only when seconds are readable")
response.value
11:12
